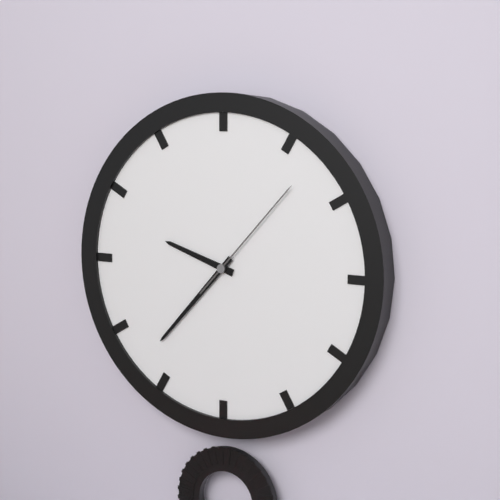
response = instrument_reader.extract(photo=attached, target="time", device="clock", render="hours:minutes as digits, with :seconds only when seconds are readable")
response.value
9:37:07
